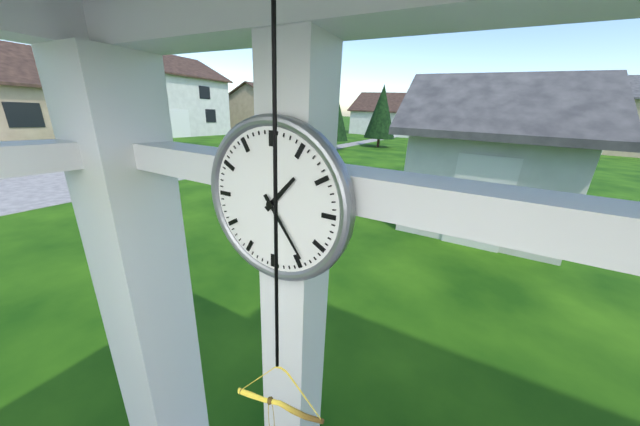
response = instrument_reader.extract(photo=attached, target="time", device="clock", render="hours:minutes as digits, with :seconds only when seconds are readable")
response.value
1:24
